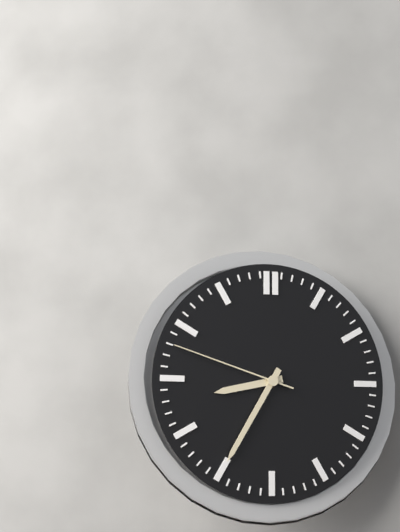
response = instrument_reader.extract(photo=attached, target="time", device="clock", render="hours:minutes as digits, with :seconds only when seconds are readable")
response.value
8:35:48
